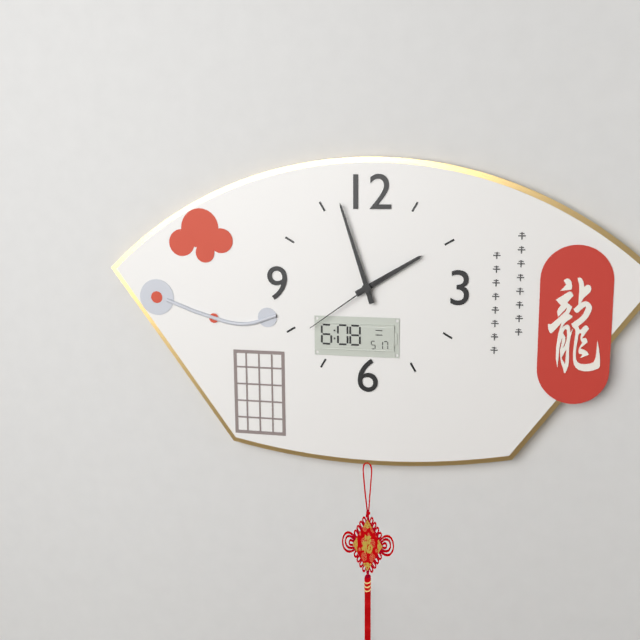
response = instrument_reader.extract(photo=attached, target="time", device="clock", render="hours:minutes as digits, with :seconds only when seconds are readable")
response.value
1:57:39
